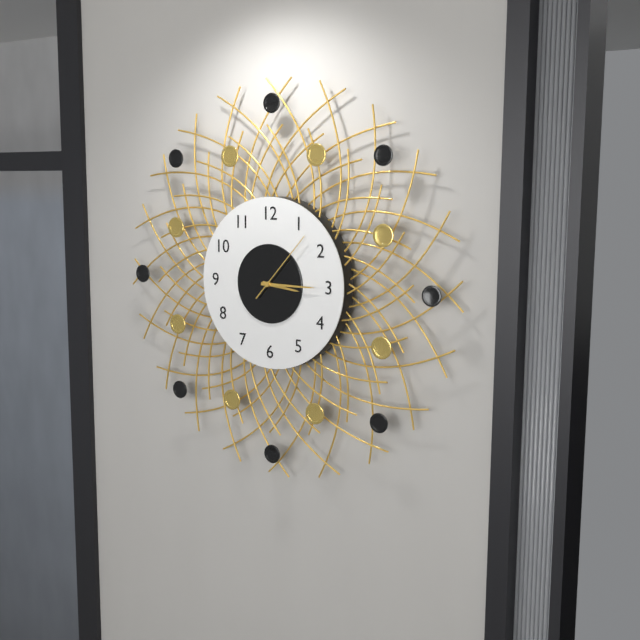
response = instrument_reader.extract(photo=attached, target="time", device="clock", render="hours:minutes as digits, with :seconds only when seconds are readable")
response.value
3:15:07
